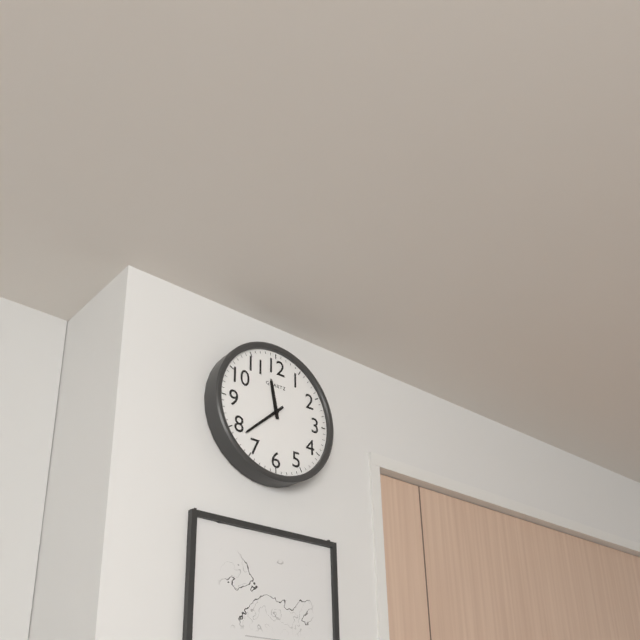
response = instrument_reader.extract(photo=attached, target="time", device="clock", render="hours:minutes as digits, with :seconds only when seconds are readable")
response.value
11:38
